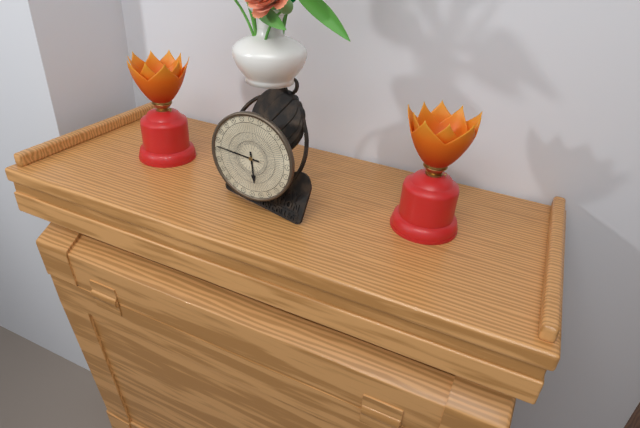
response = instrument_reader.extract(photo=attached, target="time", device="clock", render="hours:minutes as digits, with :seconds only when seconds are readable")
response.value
5:46
